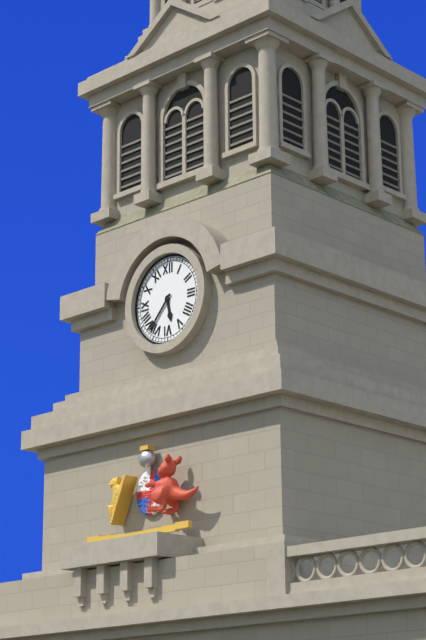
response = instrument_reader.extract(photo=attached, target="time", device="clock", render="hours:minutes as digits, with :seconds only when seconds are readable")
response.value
5:37
